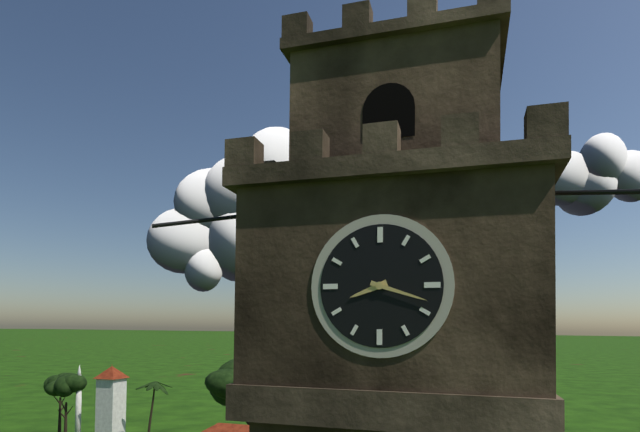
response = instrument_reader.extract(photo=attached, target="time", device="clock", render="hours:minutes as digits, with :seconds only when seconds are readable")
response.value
8:18
